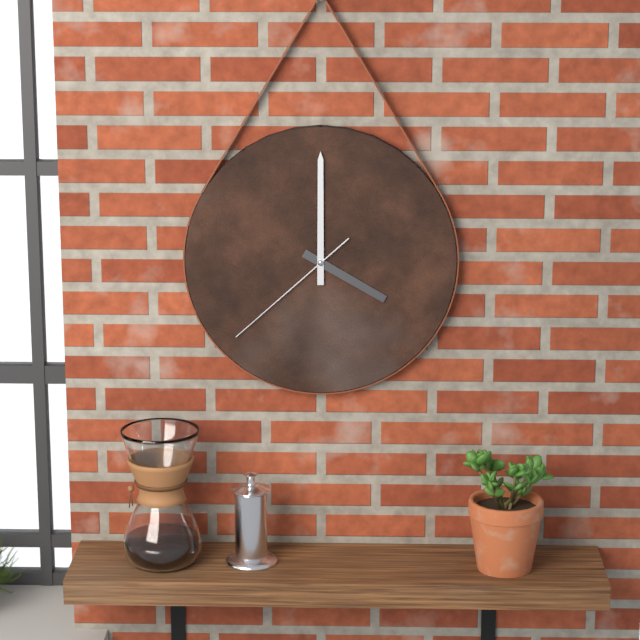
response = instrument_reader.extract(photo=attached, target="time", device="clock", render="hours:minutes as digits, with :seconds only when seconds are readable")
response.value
4:00:38
